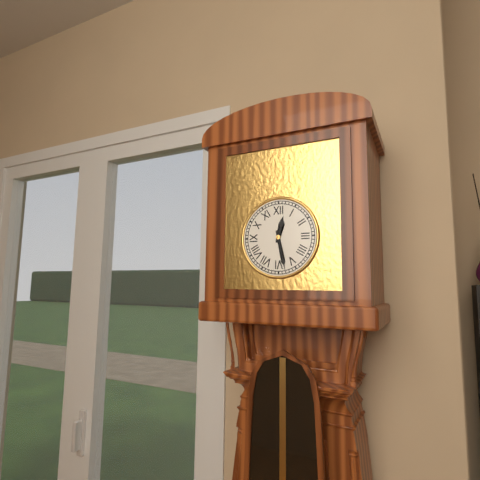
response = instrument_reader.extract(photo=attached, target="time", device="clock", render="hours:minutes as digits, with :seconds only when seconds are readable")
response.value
12:28
